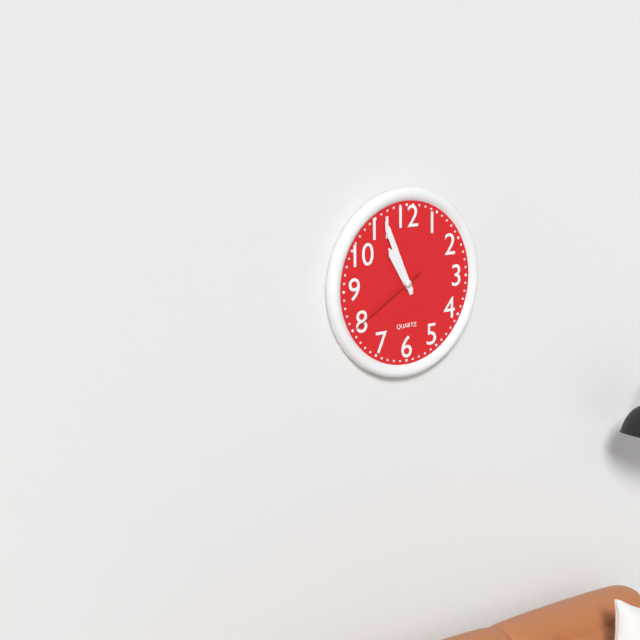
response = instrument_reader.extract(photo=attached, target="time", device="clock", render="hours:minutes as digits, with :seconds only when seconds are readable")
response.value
10:56:40
